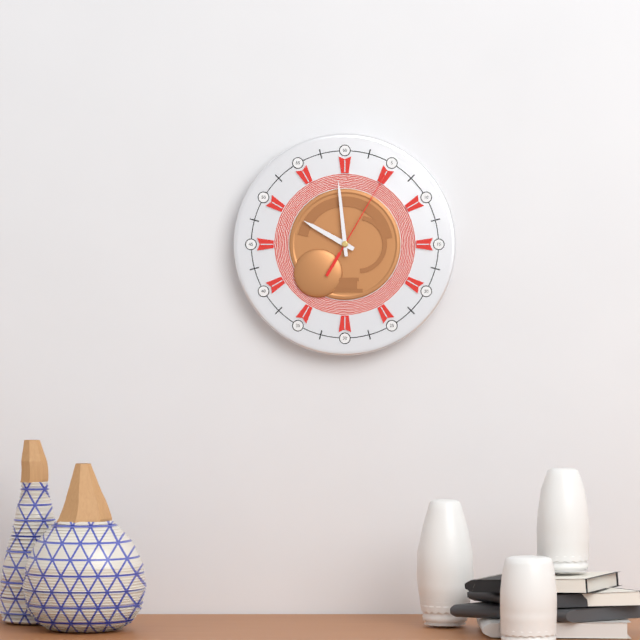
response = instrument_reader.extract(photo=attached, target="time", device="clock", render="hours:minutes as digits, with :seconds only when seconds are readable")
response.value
9:59:05
